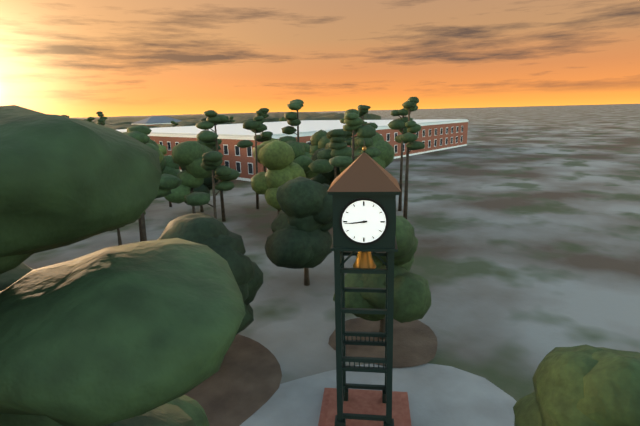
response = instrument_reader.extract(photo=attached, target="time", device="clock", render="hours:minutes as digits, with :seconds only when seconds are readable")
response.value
8:44
